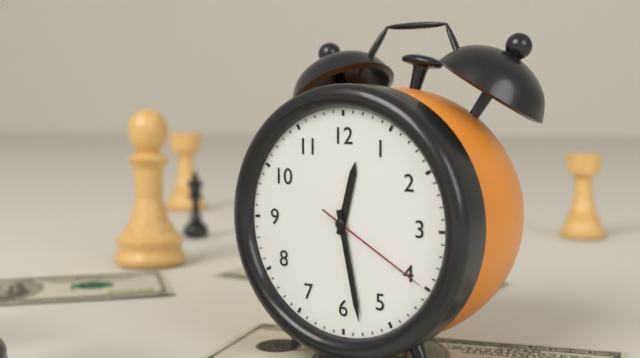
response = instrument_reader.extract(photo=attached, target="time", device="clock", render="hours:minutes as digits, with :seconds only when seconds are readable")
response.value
12:28:20
